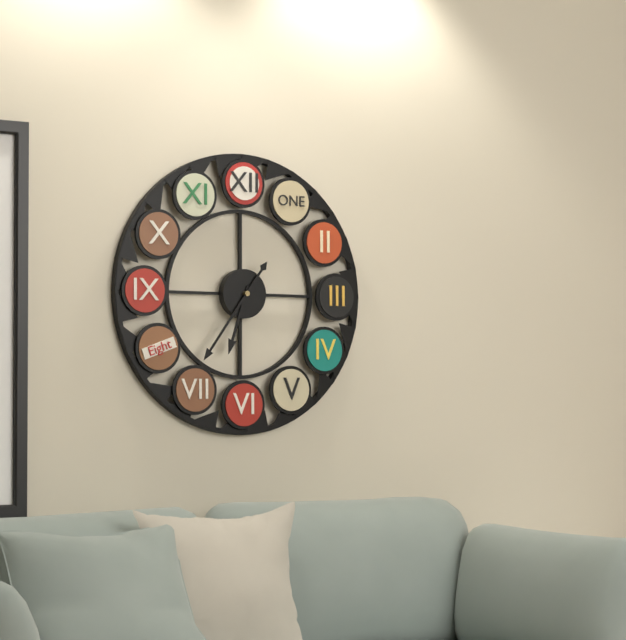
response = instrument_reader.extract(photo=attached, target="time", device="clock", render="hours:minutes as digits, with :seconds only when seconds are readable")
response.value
6:36
